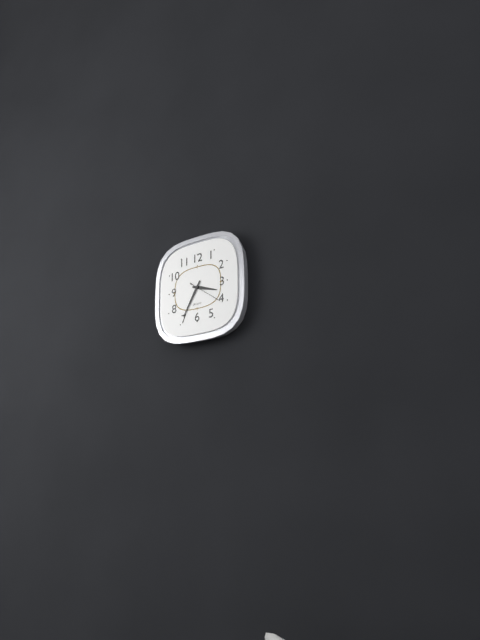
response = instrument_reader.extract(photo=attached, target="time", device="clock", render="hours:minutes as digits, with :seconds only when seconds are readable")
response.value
3:35
